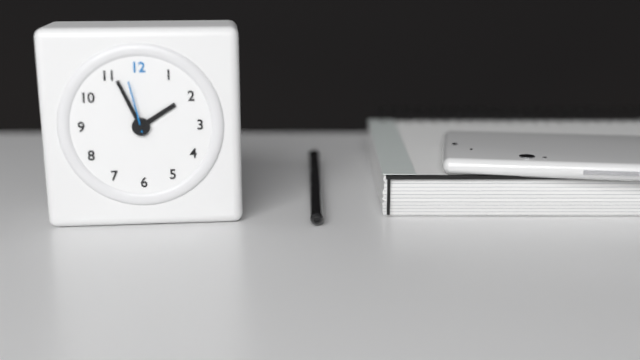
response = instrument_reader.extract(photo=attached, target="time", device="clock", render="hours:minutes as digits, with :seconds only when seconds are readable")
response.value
1:56:58
